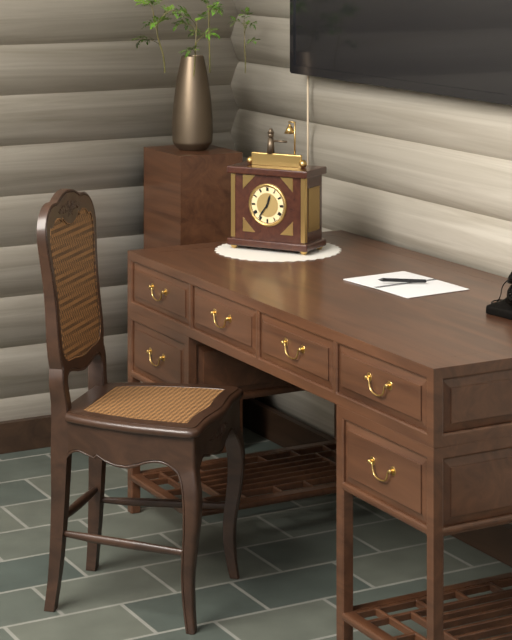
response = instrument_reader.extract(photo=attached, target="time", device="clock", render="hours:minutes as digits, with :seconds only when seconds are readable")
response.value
12:36
